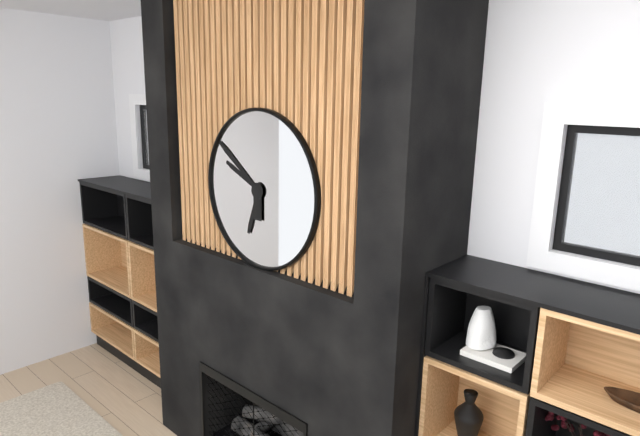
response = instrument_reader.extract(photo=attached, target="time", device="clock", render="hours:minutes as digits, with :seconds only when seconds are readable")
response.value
9:51:33
